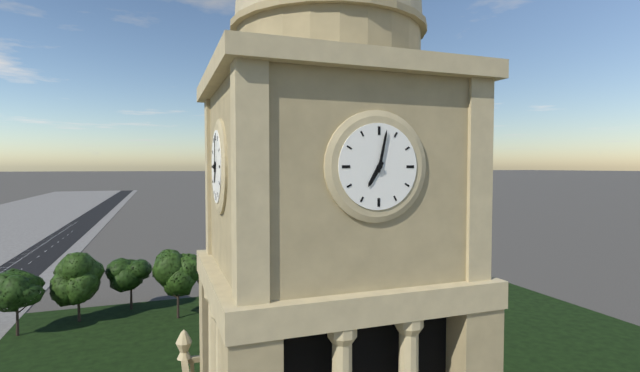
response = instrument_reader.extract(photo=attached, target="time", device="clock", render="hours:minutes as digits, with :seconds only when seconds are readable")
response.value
7:02
